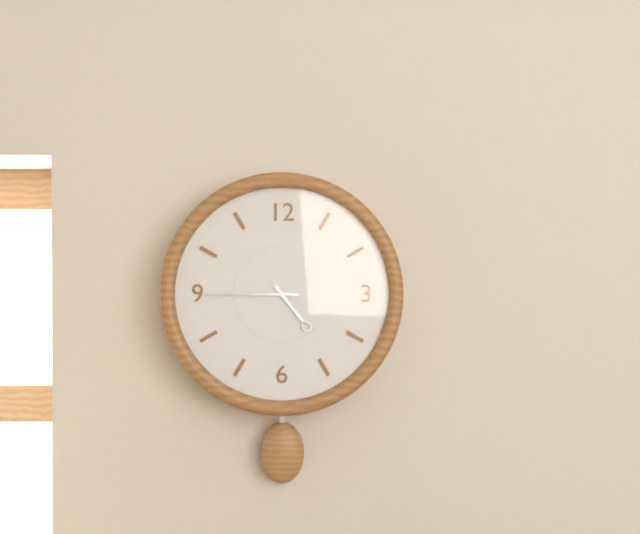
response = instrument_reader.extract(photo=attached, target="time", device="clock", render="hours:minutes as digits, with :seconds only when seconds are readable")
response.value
4:45
